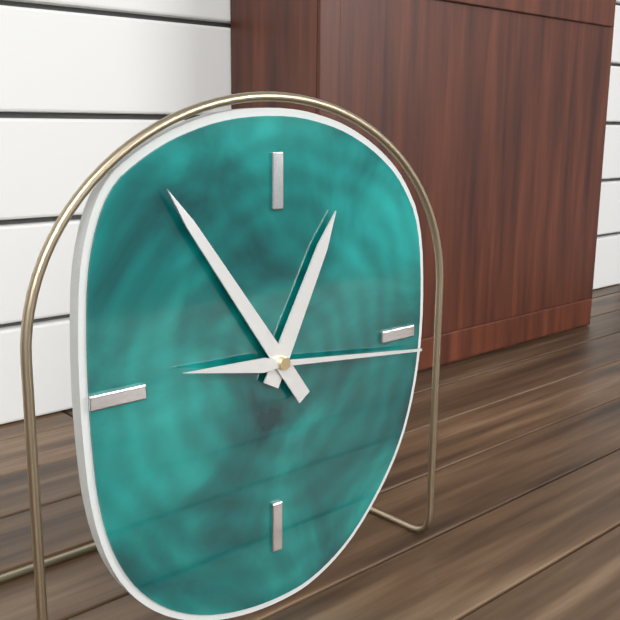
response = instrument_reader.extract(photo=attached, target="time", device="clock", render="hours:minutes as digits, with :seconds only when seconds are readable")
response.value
12:54:16
